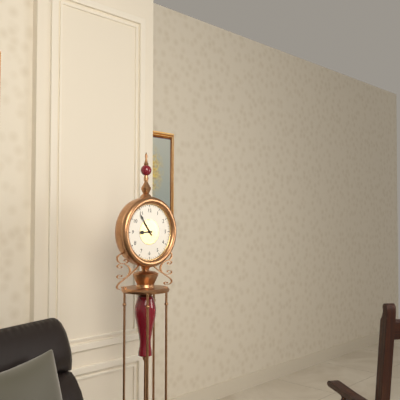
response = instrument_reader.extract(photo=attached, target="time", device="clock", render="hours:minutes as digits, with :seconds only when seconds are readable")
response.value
8:54
